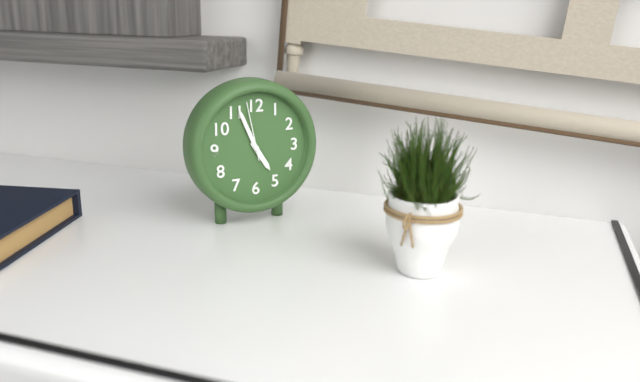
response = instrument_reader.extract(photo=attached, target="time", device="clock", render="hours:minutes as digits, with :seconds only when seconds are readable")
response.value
4:56:58
